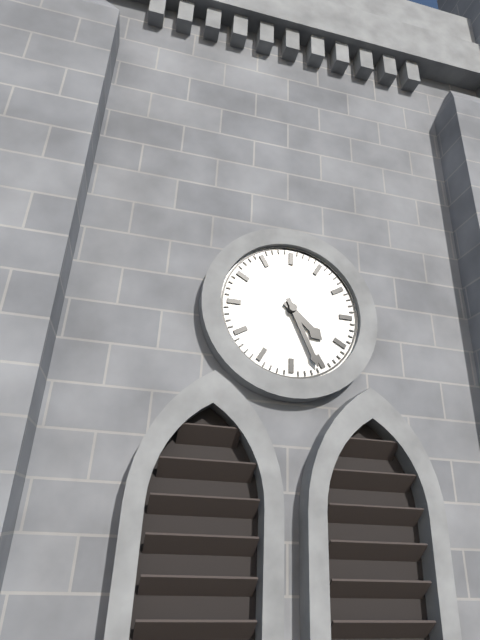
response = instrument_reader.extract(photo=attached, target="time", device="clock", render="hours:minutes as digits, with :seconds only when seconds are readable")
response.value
4:26
